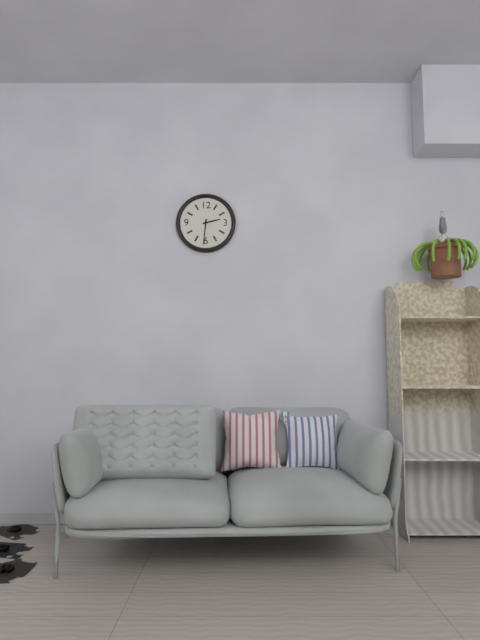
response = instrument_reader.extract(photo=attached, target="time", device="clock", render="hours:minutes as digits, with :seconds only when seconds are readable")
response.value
2:31
